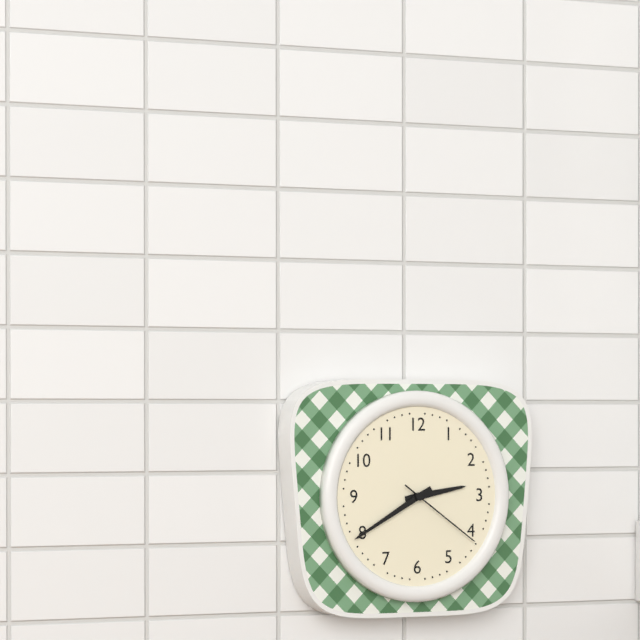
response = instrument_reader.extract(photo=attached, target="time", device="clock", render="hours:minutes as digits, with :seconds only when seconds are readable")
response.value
2:40:21
